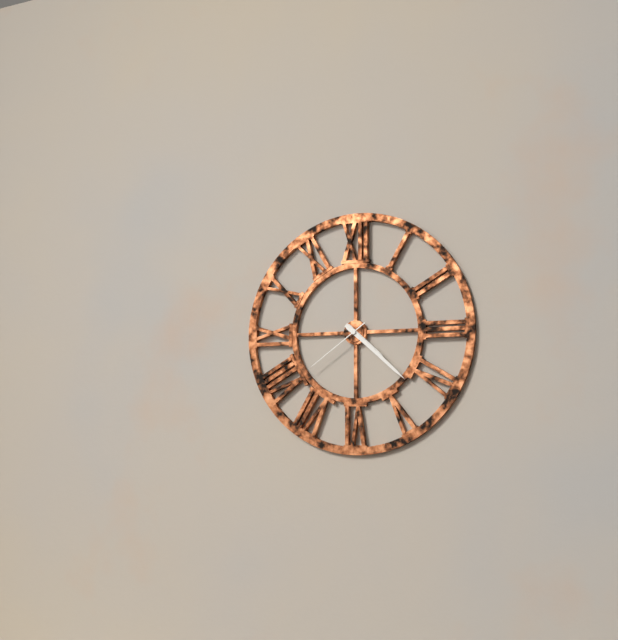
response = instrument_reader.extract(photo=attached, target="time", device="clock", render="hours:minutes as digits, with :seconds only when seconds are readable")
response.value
4:22:39
